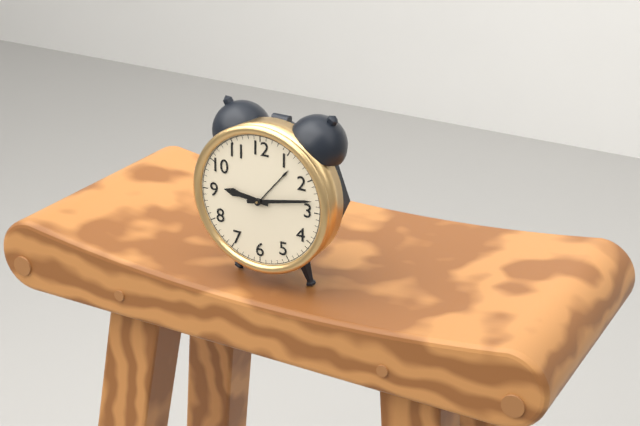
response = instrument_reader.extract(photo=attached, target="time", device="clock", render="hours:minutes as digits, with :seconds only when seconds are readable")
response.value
9:13
